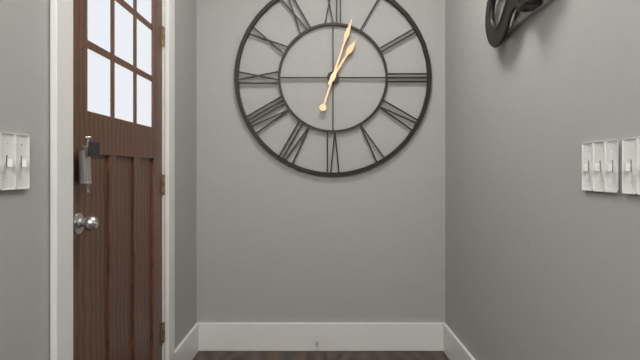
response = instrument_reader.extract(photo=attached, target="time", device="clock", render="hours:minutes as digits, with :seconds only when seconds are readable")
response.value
1:03
